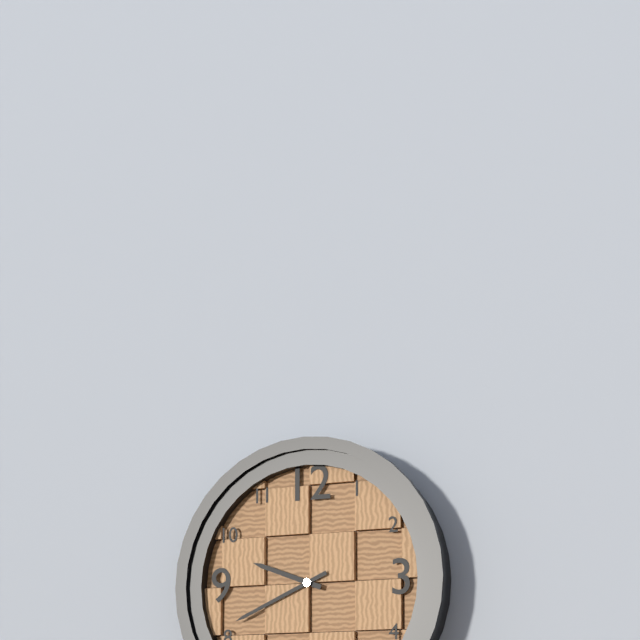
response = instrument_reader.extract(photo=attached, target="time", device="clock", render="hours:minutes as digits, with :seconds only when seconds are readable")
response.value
9:41
